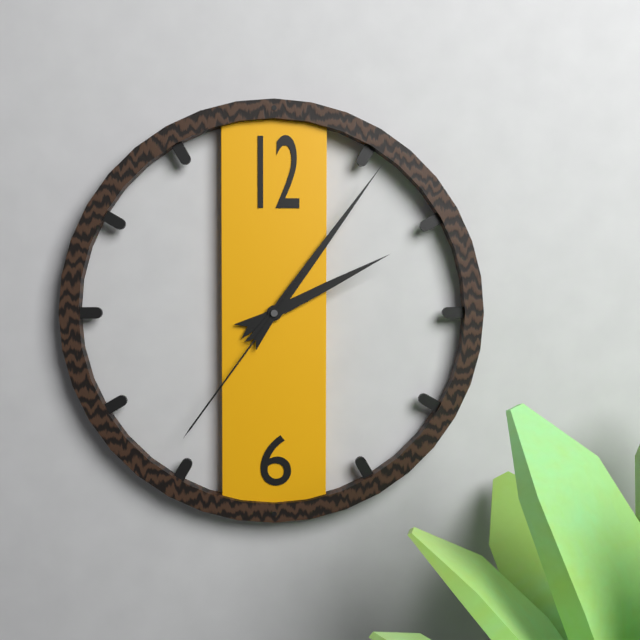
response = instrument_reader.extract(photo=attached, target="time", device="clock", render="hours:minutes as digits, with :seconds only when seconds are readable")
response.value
2:06:36
